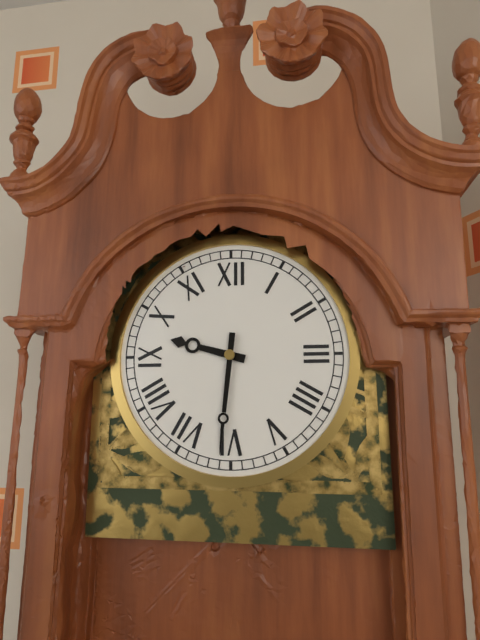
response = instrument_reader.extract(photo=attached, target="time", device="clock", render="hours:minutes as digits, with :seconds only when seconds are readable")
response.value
9:31
